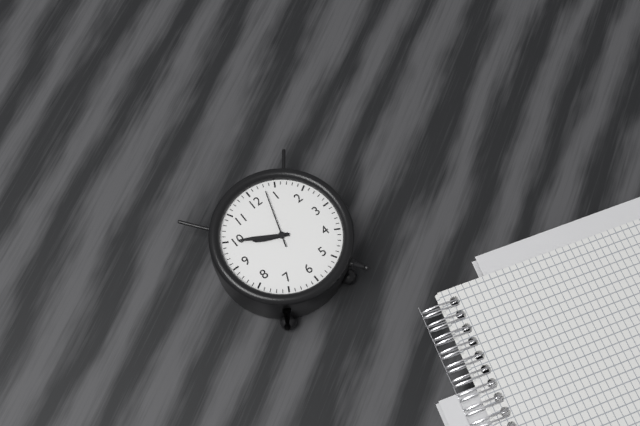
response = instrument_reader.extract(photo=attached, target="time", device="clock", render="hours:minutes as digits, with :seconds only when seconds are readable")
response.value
9:50:03
